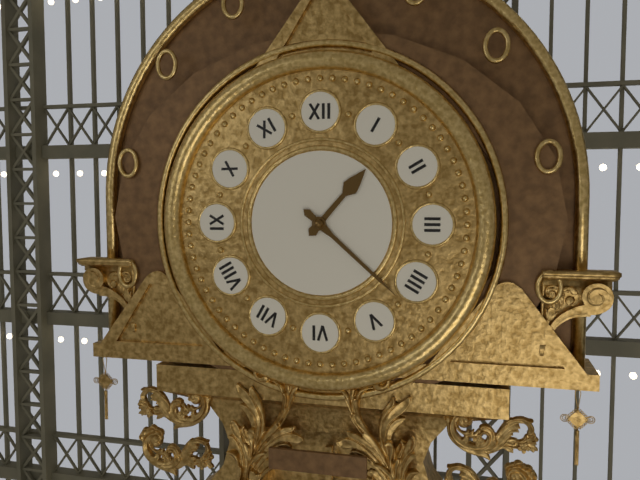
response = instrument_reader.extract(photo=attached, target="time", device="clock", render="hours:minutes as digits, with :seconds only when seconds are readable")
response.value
1:22
